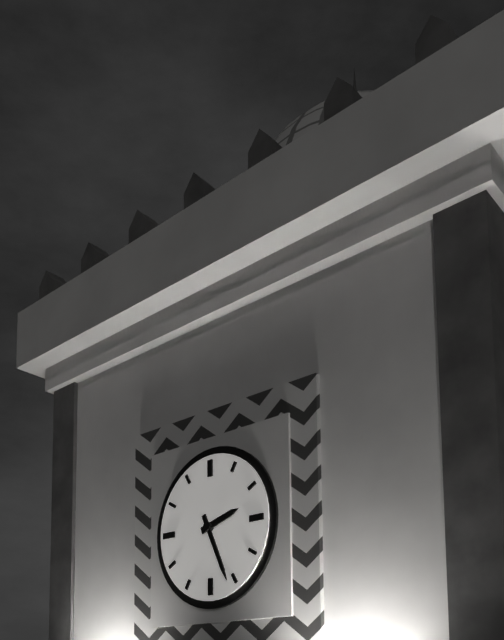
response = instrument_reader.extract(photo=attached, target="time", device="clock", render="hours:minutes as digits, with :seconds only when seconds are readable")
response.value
2:26
